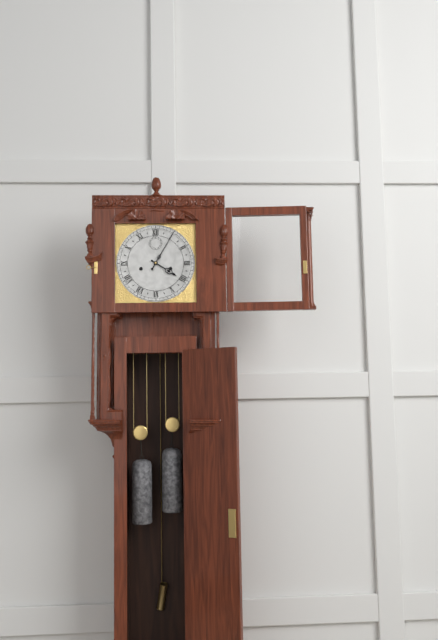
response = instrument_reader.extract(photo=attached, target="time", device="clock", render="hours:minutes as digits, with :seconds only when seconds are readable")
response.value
4:05
